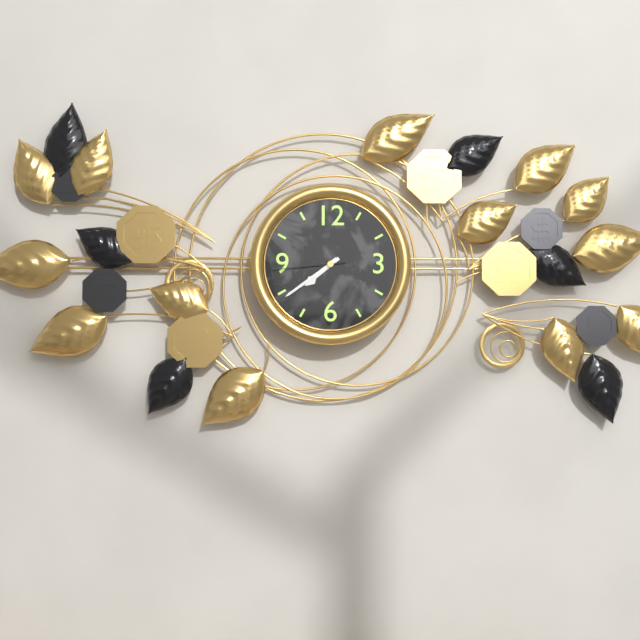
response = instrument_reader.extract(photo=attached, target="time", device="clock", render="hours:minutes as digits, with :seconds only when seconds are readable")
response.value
7:39:44
